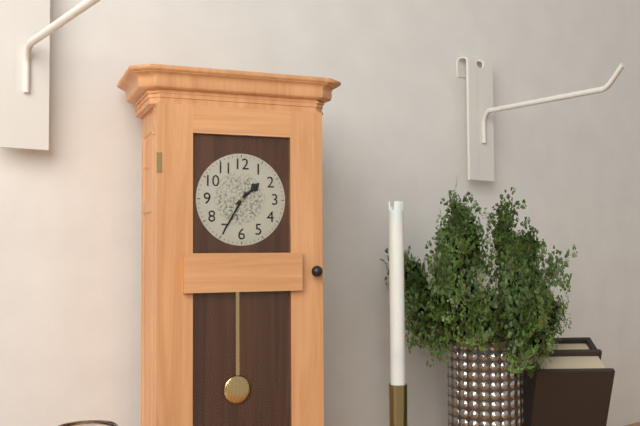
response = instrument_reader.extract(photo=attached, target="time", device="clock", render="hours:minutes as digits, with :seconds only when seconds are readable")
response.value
1:35
